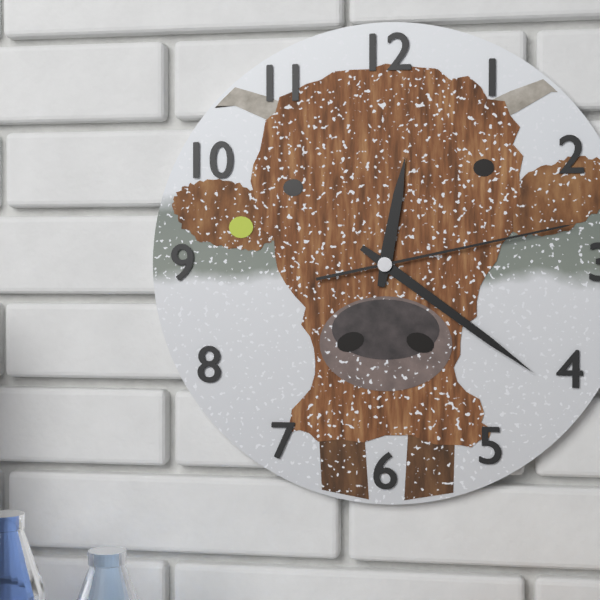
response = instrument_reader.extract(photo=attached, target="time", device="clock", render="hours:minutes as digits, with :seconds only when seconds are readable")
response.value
12:21:13
